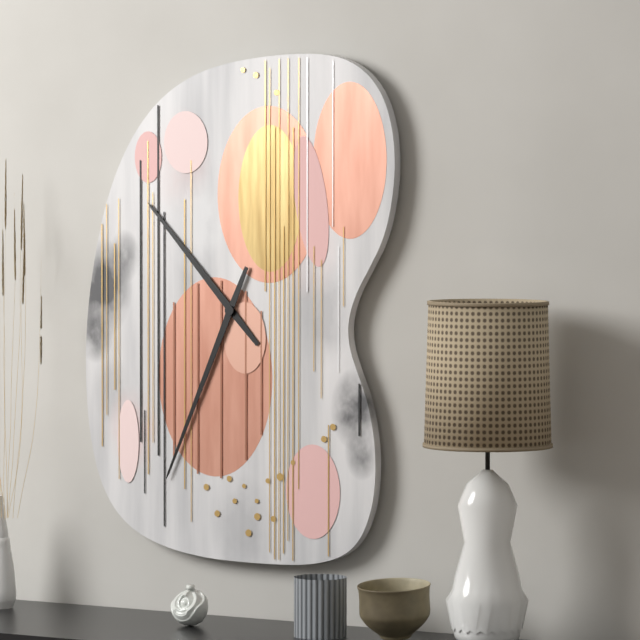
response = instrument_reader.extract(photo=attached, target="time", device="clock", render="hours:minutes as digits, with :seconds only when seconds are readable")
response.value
10:34
